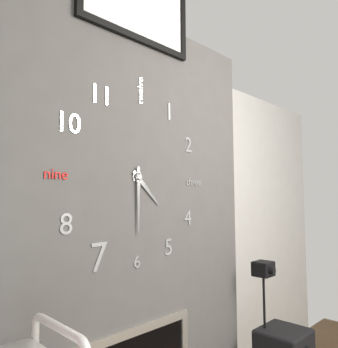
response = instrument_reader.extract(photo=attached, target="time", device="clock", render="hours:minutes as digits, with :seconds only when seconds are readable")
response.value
4:30
